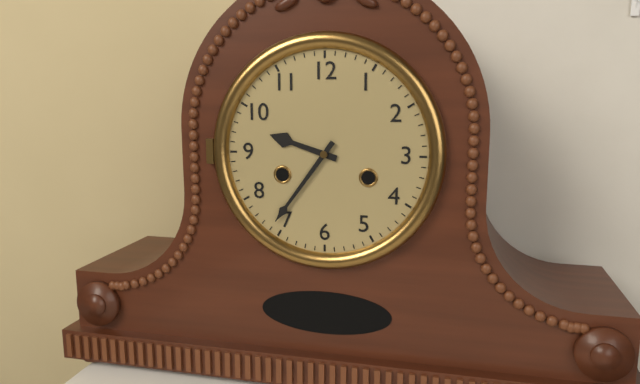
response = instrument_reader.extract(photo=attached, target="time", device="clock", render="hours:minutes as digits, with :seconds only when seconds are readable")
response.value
9:36
